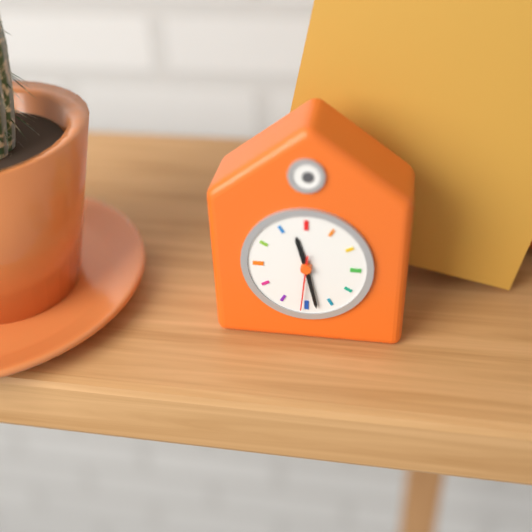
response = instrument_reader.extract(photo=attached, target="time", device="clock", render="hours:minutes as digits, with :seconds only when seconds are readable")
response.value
11:28:31
